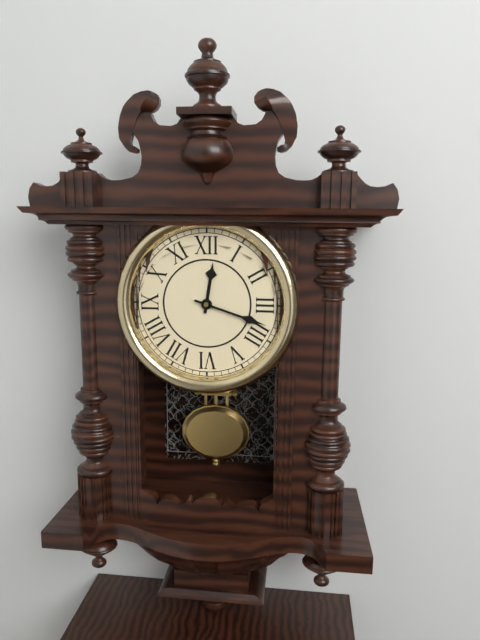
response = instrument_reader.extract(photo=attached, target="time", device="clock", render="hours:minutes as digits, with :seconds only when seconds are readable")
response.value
12:18
